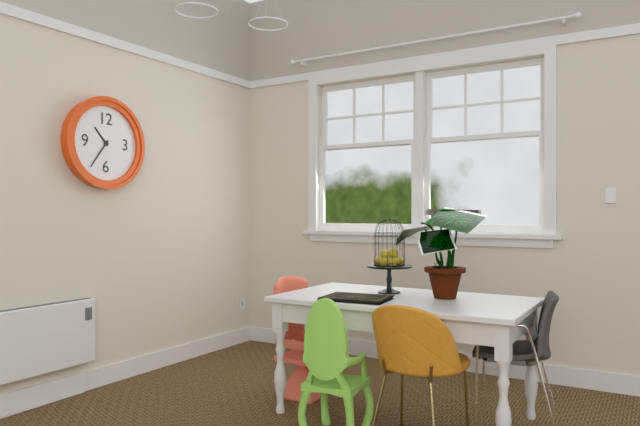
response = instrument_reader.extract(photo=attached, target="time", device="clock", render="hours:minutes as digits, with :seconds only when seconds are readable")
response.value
10:36
